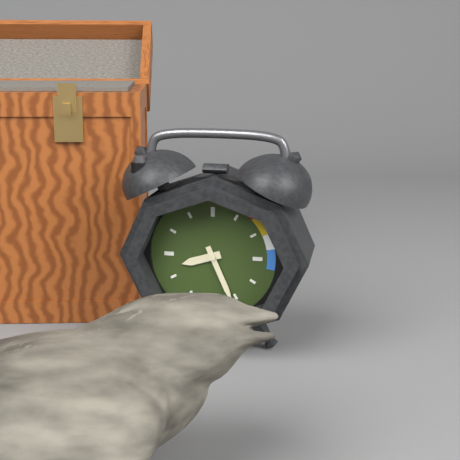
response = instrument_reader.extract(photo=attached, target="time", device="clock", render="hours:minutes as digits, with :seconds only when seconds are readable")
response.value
8:26
